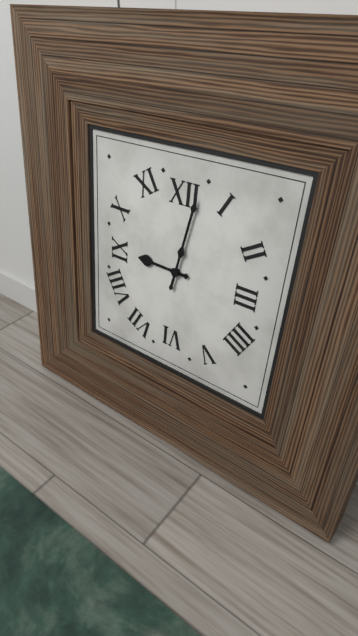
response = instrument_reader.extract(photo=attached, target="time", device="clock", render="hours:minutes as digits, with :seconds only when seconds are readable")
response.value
9:02
